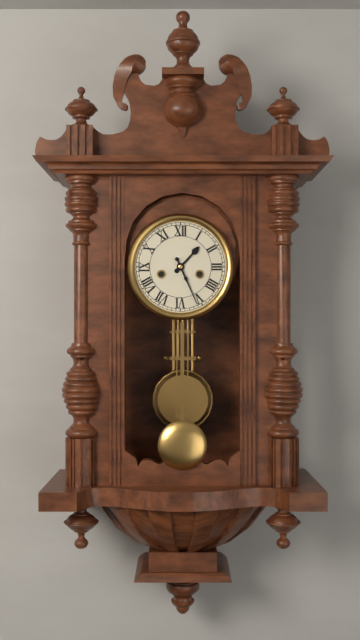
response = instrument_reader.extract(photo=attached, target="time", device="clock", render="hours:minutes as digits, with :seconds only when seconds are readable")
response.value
1:26
